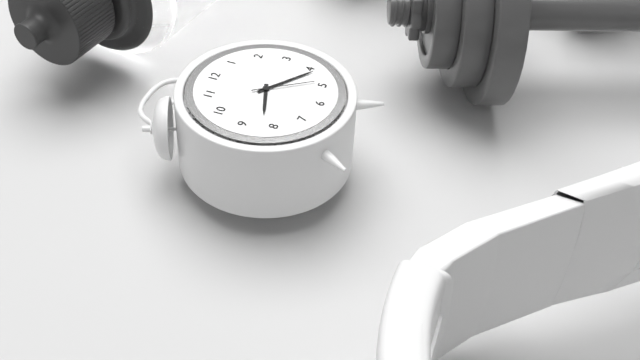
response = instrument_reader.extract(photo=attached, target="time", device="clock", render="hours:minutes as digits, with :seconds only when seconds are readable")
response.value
8:21:24
